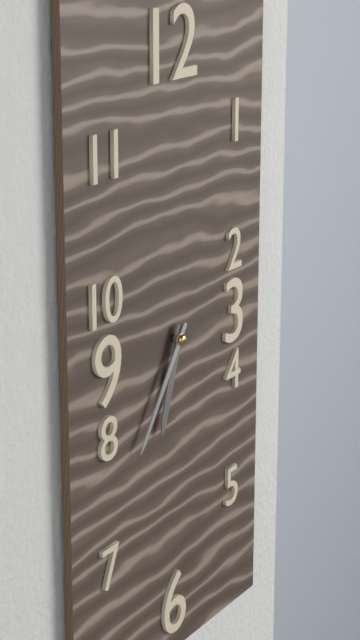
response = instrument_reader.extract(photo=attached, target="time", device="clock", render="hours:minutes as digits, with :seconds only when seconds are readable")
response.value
6:36
